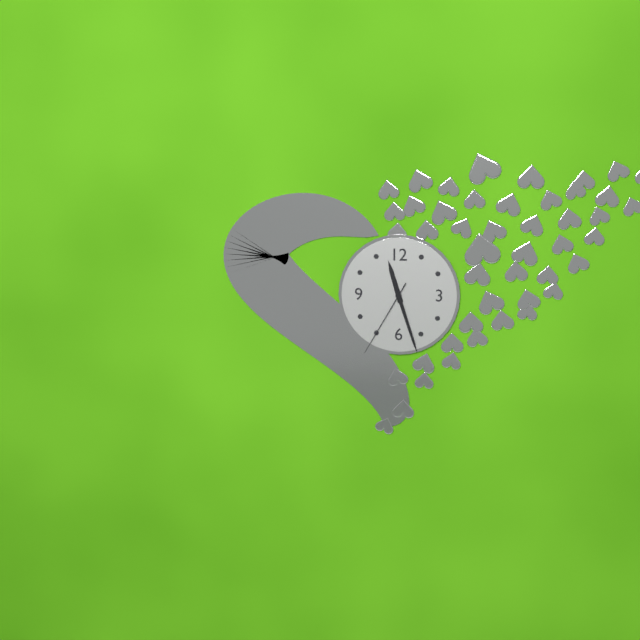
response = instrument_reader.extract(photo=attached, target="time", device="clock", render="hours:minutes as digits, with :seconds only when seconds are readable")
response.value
11:27:35
